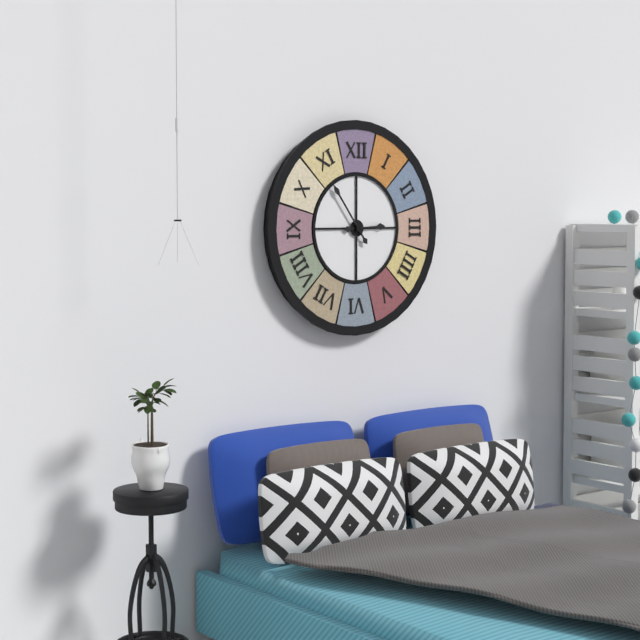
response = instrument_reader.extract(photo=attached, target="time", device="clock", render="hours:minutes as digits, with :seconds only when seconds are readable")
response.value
2:54
